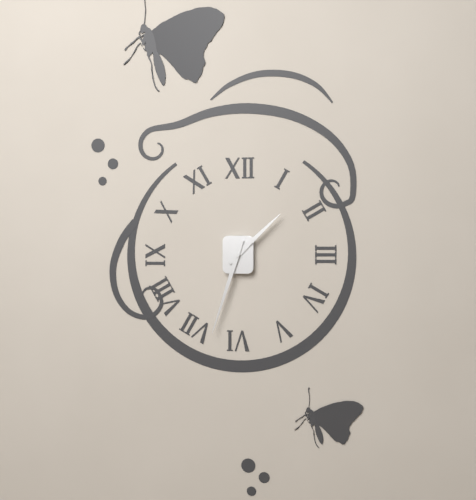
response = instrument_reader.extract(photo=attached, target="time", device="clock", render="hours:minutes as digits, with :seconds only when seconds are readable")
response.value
1:33
